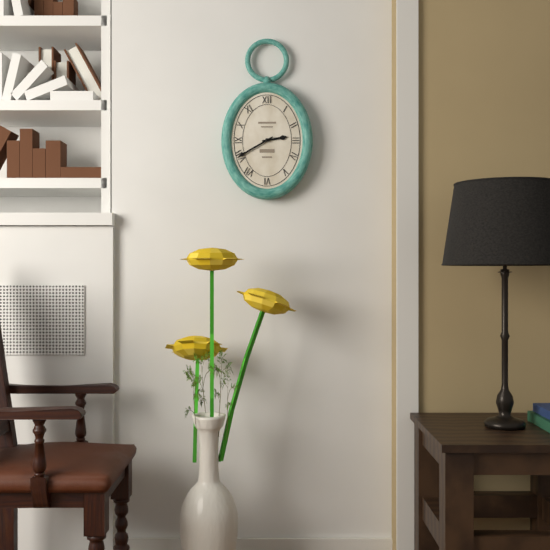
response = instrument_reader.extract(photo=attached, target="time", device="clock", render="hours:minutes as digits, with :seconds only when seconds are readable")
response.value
2:40
